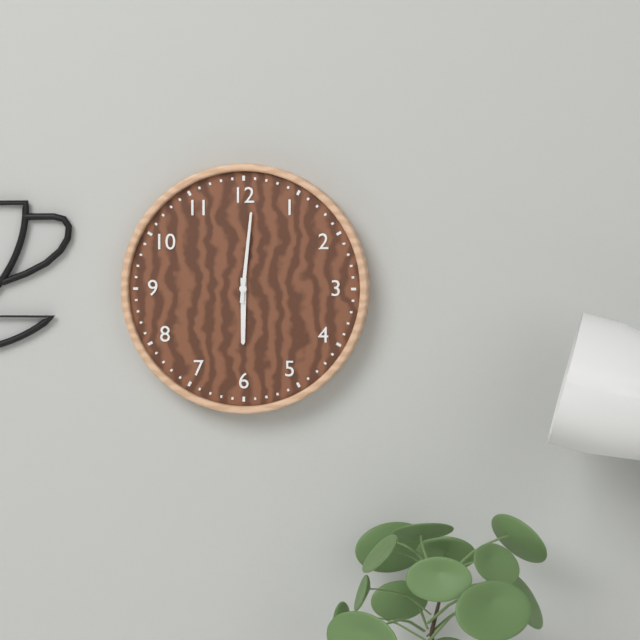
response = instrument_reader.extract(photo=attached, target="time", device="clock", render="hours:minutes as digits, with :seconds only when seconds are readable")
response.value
6:01
